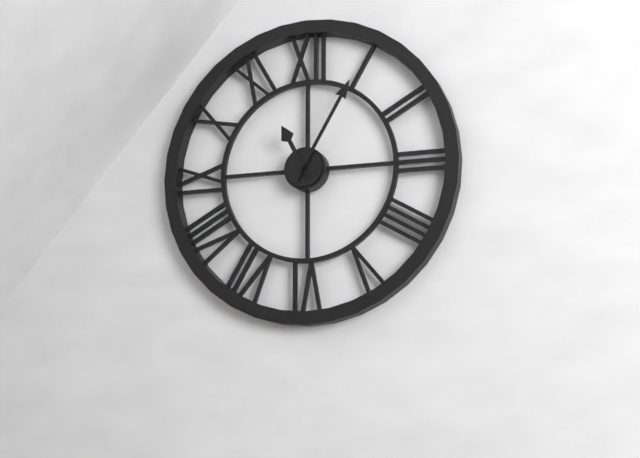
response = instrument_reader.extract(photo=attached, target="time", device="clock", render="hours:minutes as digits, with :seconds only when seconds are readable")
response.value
11:05
